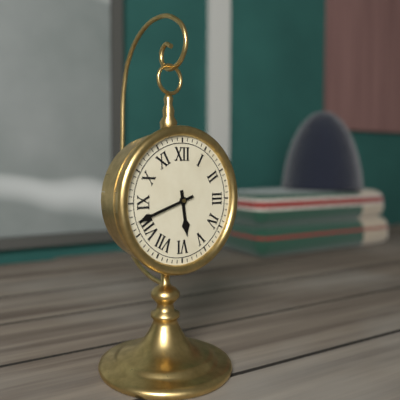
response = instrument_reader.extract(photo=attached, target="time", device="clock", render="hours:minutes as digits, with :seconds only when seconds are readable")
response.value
5:42
